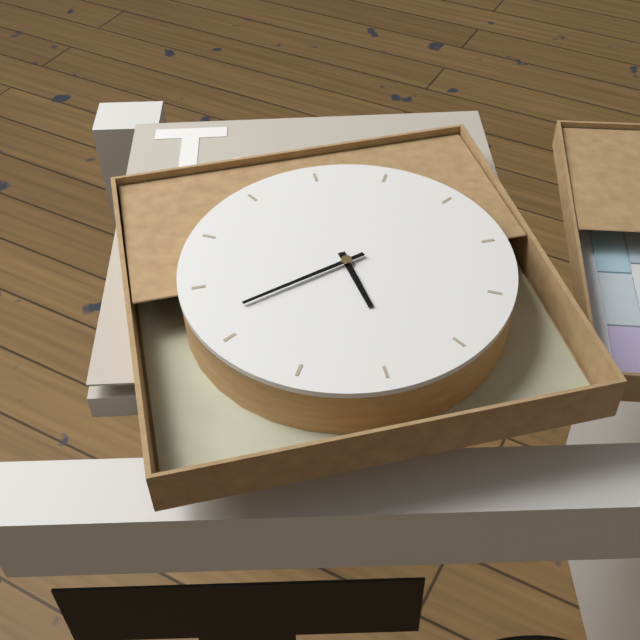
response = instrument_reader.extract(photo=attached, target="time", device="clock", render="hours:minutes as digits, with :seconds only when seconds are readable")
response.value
6:47
